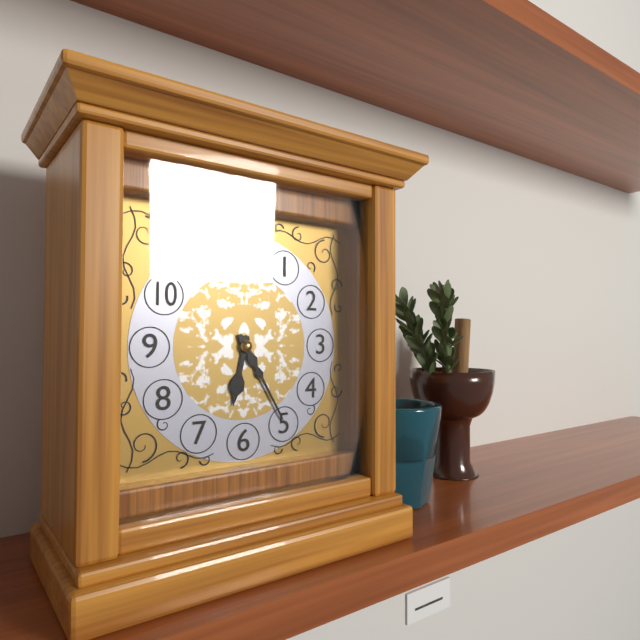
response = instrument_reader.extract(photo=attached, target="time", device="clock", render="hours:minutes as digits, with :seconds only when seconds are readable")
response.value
6:25
